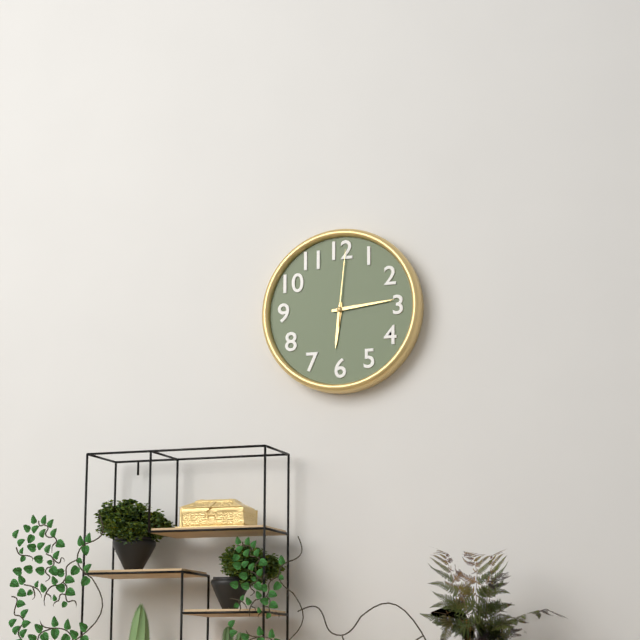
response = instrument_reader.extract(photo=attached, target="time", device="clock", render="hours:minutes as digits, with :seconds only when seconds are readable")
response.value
6:14:01
